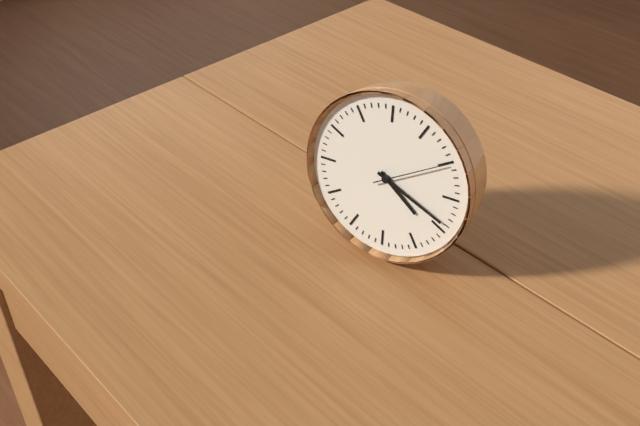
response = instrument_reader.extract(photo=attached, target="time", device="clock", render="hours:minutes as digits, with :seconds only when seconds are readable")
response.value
4:19:10
